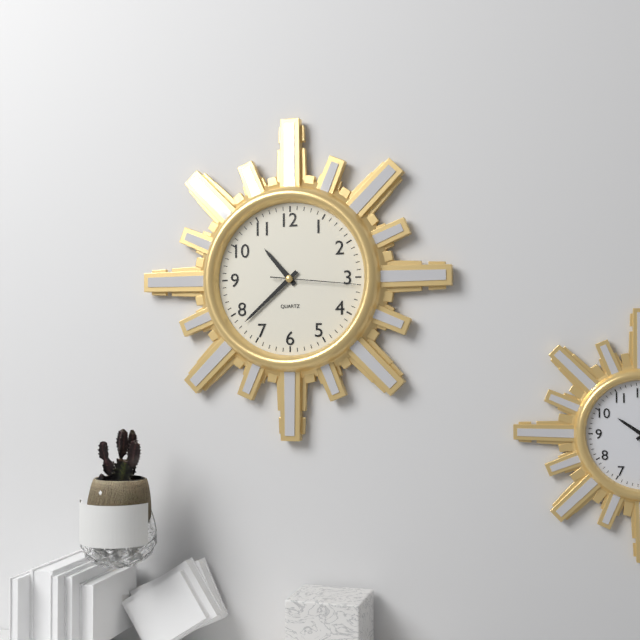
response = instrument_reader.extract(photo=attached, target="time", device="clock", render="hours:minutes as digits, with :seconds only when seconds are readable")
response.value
10:38:16
